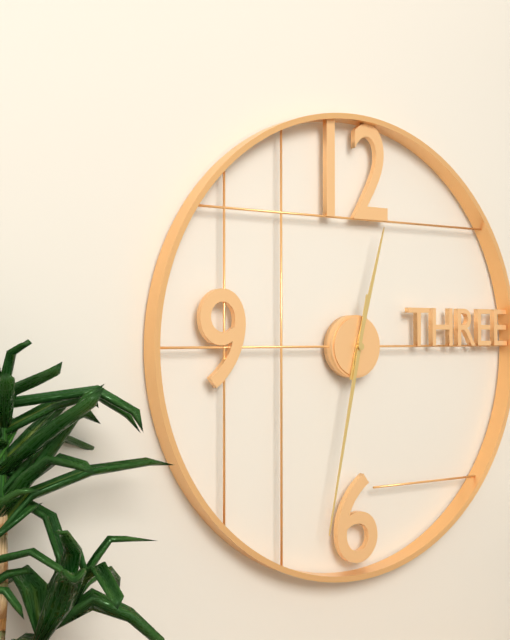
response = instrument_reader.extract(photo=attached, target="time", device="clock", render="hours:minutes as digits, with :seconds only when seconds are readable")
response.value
12:32
